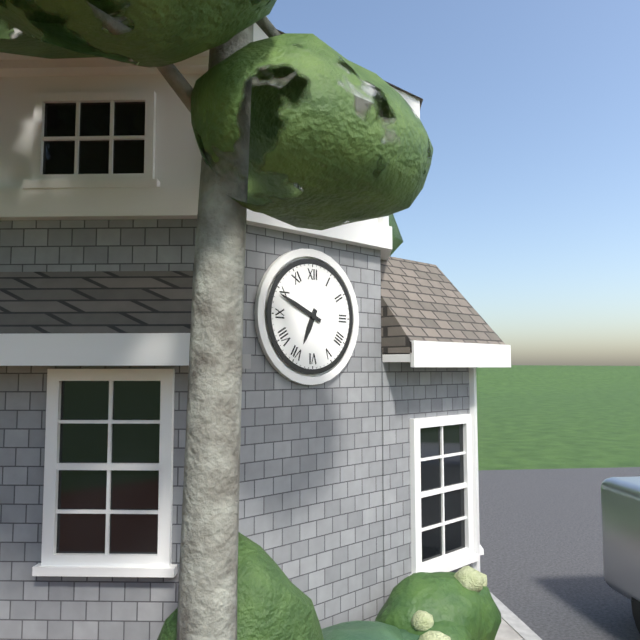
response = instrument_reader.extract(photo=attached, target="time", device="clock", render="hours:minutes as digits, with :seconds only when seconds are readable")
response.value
6:49
